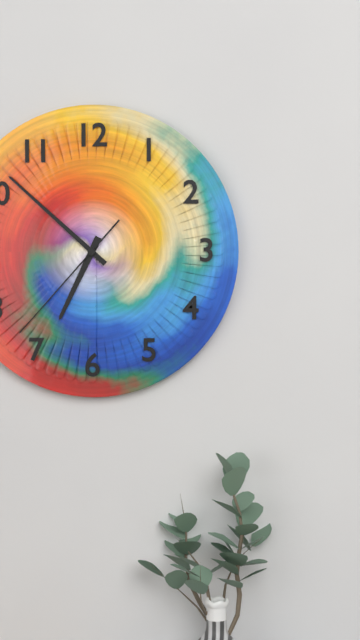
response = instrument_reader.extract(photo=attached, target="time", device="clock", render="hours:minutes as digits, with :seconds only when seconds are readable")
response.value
6:52:37
